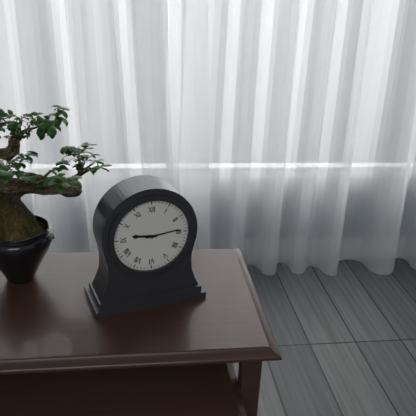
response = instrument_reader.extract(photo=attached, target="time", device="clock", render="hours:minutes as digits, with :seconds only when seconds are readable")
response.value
9:14
